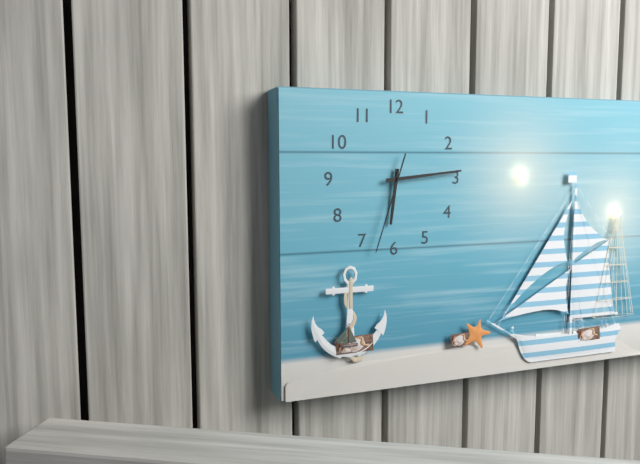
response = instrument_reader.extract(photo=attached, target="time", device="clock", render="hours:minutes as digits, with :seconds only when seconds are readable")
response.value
6:14:33
